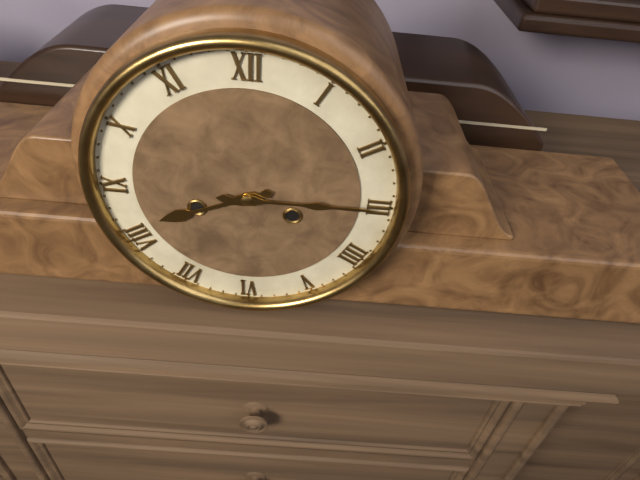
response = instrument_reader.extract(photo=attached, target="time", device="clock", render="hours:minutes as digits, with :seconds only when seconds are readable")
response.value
8:15
